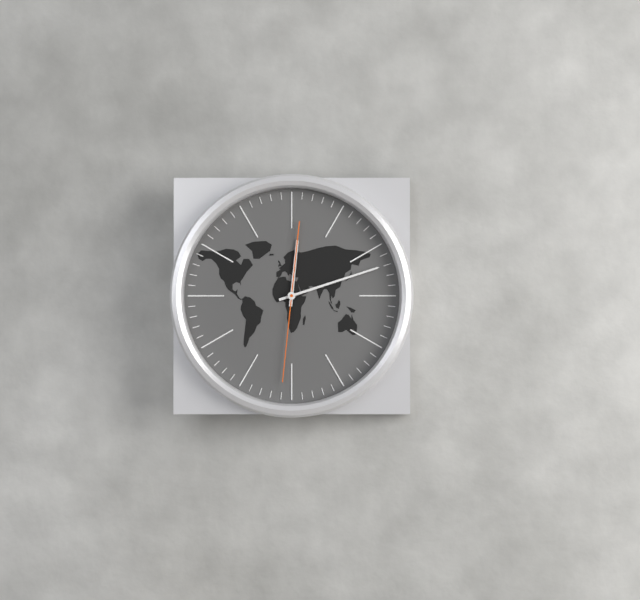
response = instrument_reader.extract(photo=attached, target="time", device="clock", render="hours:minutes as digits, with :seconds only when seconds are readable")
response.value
12:12:31
